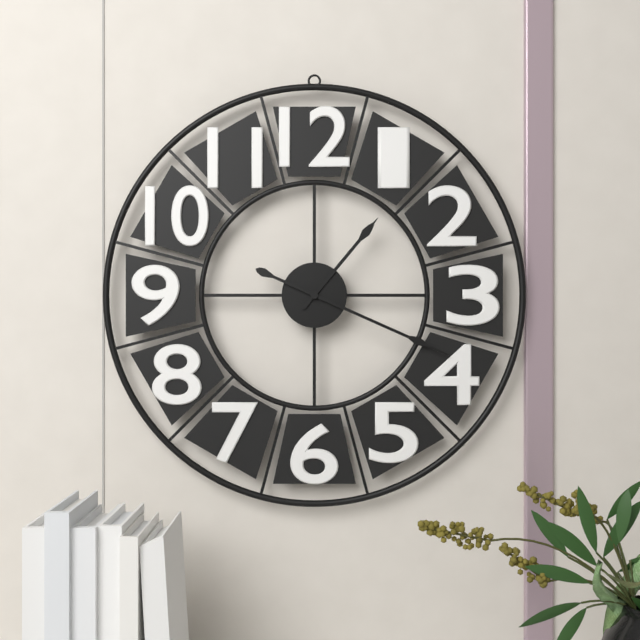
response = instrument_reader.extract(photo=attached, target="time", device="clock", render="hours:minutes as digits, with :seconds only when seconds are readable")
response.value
1:19
